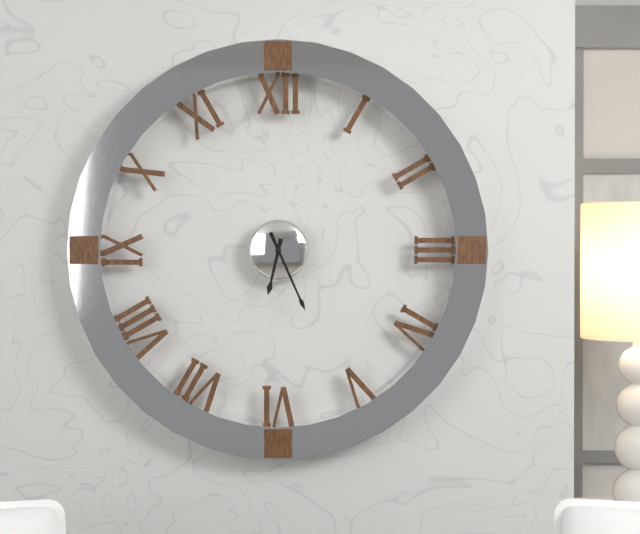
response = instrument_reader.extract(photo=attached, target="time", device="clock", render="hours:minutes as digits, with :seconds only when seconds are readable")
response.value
6:26
